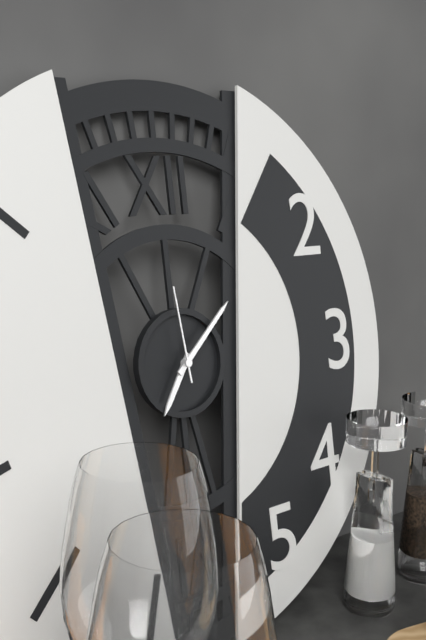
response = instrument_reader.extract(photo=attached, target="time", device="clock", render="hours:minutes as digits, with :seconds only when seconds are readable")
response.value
7:08:59
